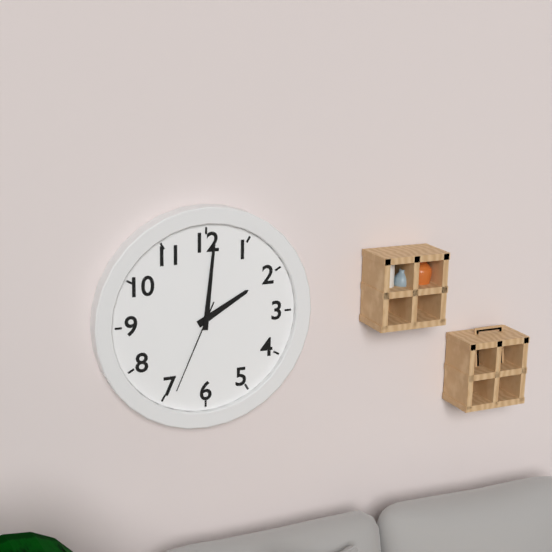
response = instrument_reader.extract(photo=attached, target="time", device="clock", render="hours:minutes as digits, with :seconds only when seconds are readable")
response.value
2:01:34
